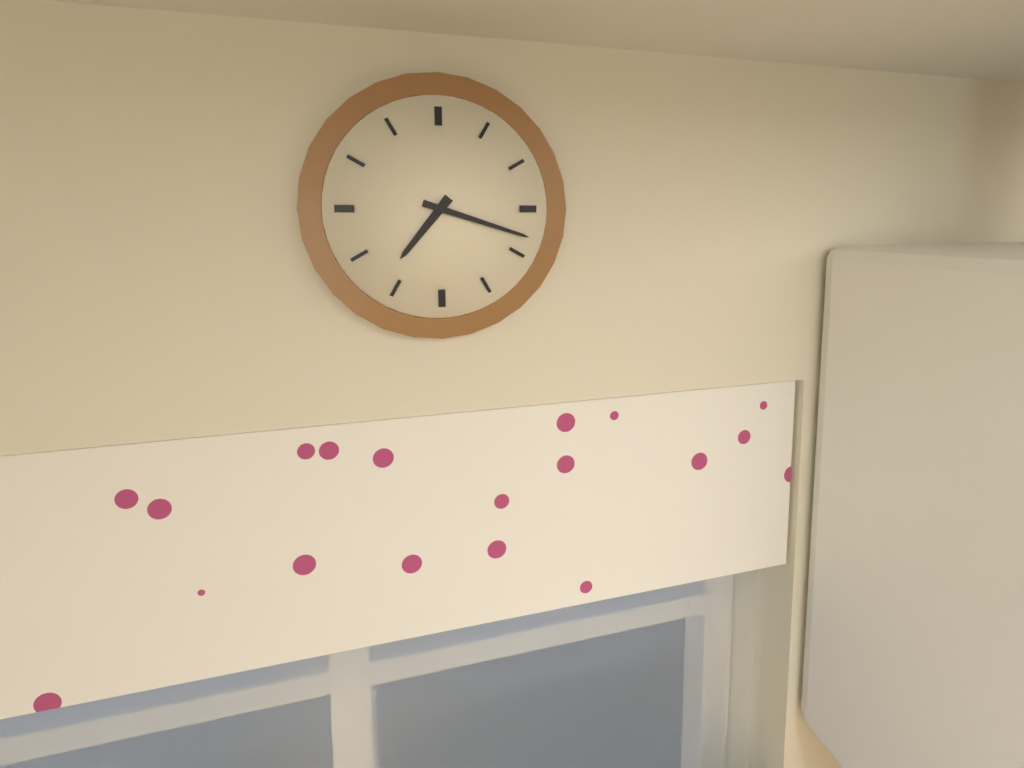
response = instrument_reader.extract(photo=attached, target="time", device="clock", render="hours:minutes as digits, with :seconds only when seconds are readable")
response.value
7:18
